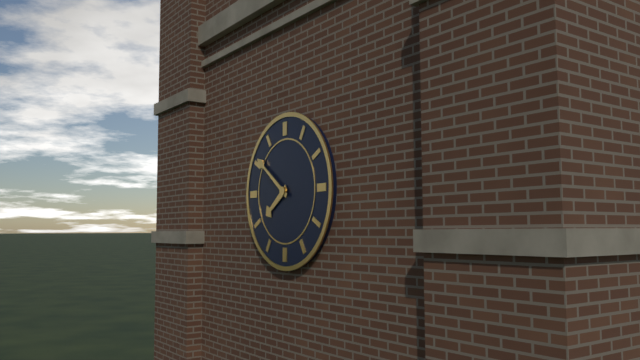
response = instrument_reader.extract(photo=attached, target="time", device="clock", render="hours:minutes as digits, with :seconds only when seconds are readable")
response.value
7:51
